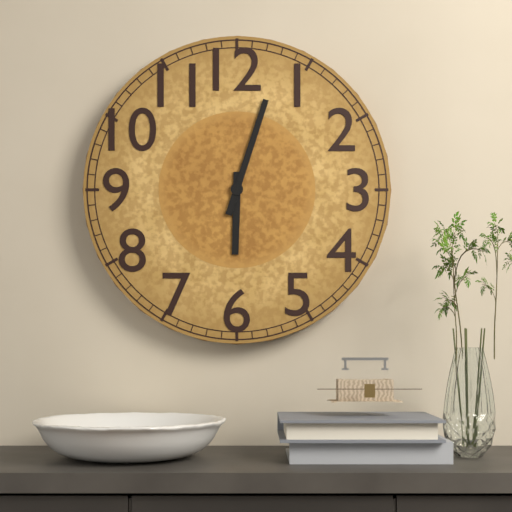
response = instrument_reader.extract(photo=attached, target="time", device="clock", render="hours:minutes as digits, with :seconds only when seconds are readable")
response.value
6:03
